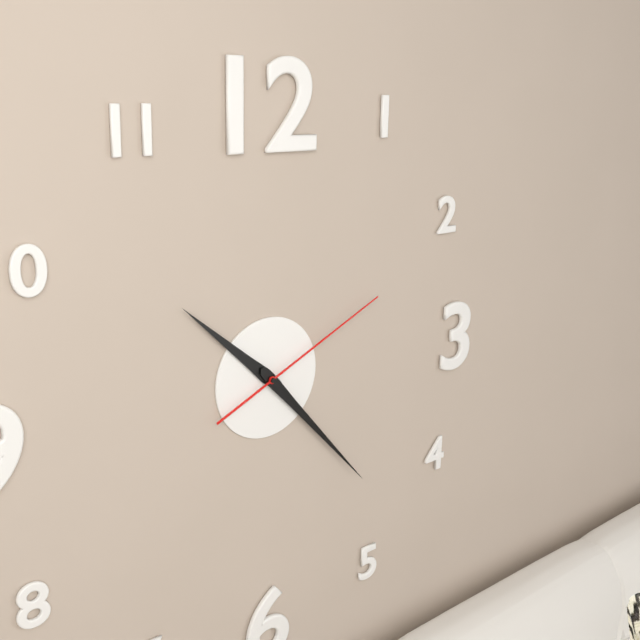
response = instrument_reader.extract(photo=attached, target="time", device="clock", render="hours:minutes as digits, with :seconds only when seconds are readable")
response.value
10:23:11
